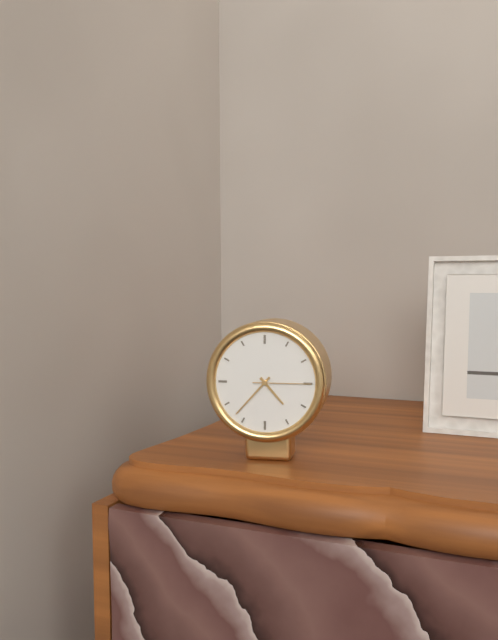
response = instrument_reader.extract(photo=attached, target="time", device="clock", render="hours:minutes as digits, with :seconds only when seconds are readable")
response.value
4:37:15
